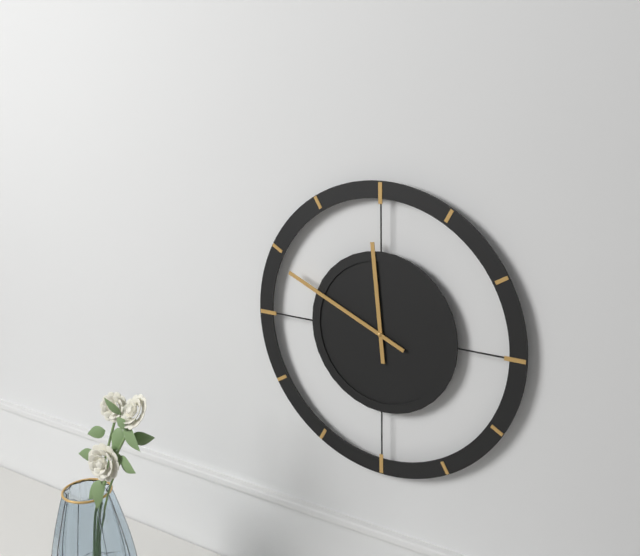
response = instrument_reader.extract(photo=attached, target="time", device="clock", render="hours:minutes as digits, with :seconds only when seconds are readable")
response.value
11:49
